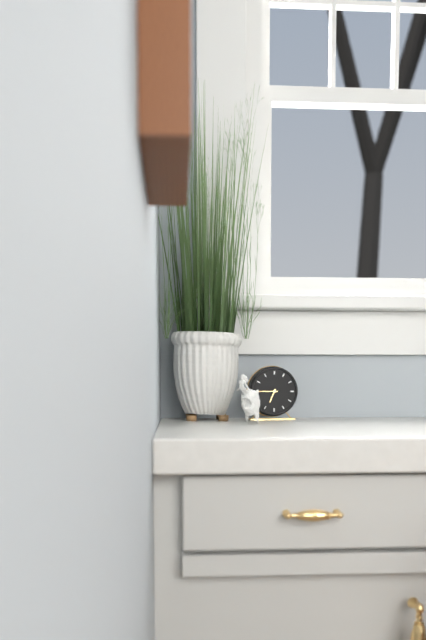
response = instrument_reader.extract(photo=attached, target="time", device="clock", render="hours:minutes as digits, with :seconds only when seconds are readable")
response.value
6:45
